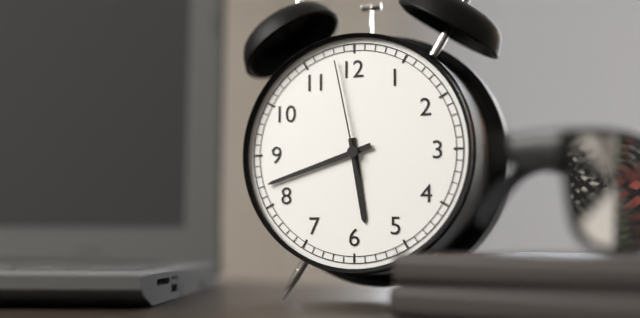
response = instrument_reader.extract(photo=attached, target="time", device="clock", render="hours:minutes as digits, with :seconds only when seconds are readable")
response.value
5:42:58
